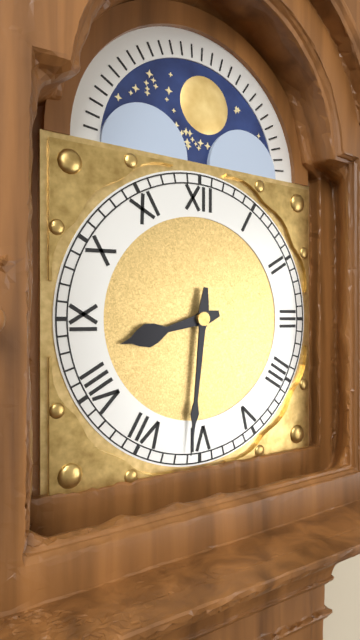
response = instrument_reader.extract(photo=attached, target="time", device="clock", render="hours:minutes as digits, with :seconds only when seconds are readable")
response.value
8:31
